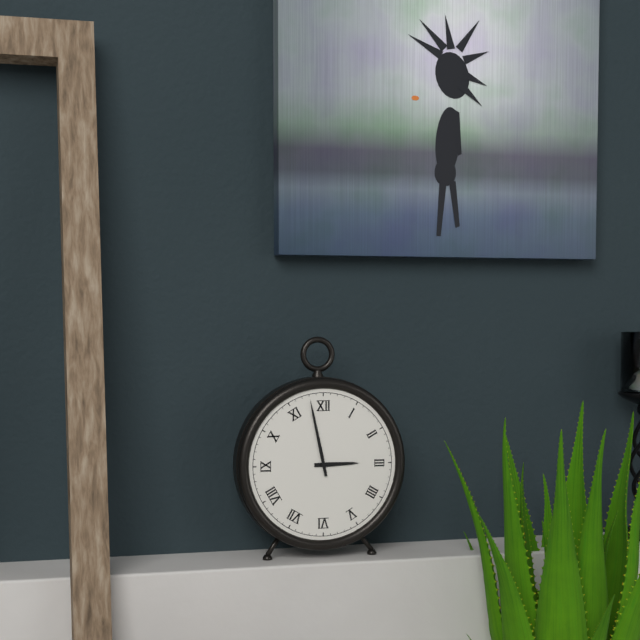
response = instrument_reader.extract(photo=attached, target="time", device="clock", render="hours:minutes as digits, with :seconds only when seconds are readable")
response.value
2:58
